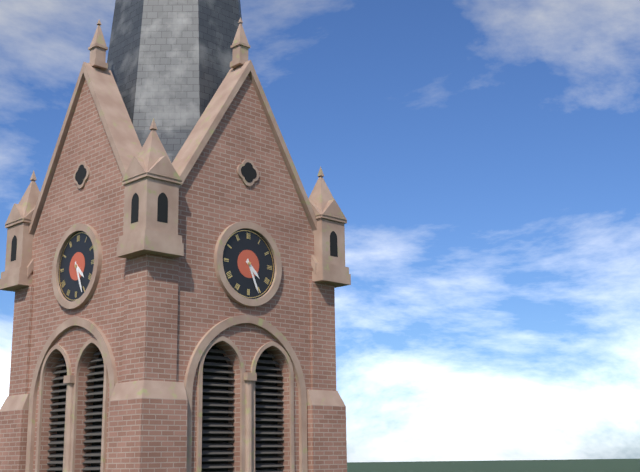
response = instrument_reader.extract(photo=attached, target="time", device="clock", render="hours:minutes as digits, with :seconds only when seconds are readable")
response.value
4:26
